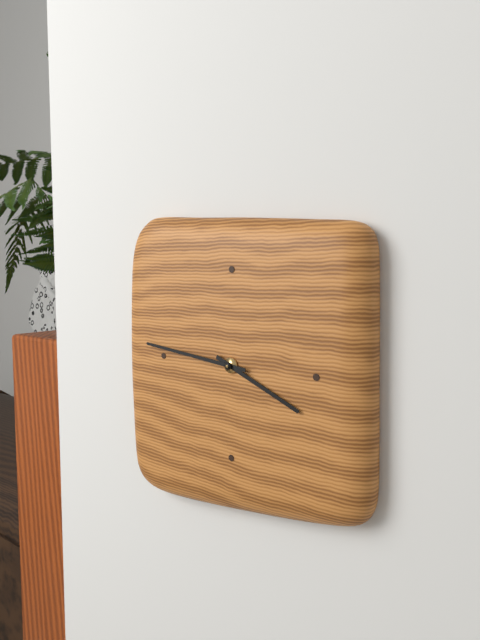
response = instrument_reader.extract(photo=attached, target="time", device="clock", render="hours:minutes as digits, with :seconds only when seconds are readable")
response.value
3:46
